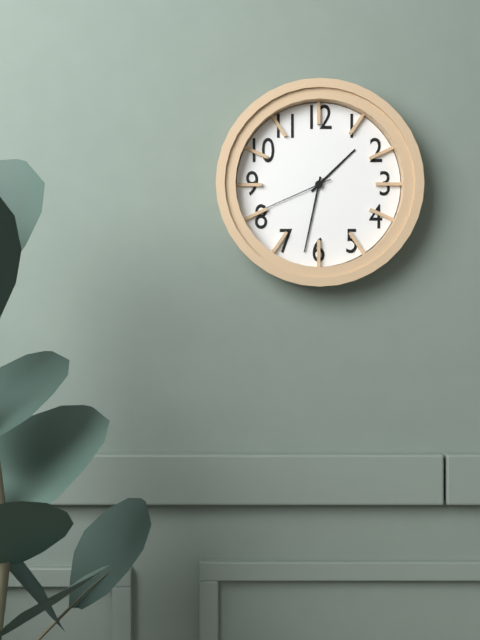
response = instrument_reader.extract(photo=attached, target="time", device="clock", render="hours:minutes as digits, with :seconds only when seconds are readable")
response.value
1:32:41
